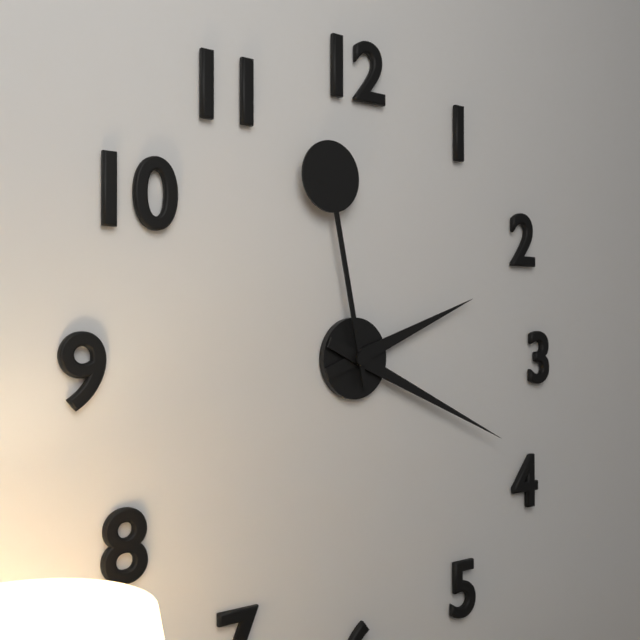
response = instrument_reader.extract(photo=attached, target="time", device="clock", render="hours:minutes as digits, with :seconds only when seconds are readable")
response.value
2:19:58
